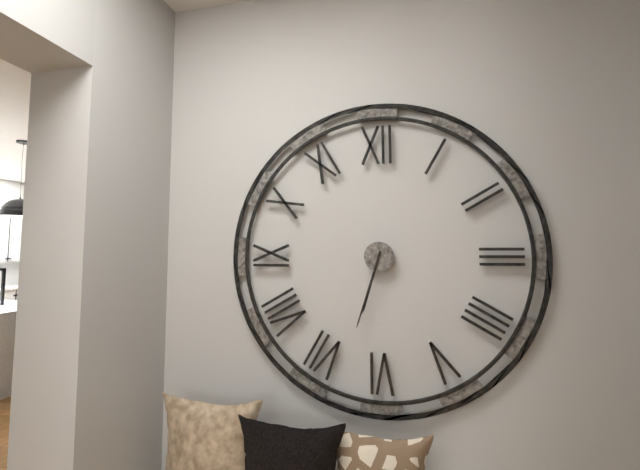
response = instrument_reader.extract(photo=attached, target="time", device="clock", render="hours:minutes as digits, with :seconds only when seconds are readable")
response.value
6:33
